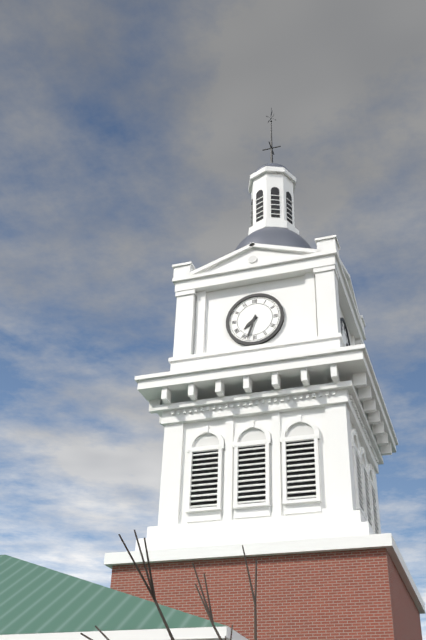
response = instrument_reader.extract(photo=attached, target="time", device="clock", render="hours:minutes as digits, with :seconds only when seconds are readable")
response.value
7:33
